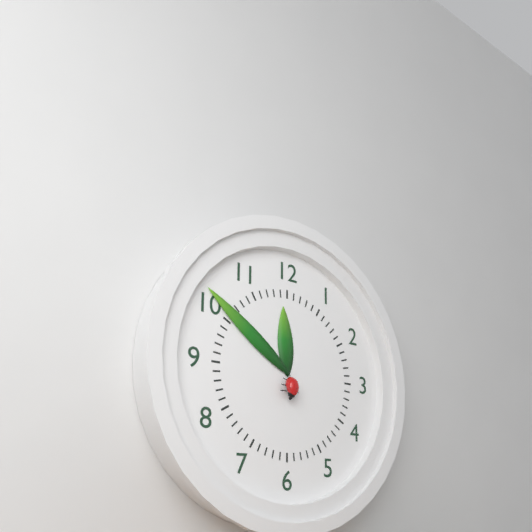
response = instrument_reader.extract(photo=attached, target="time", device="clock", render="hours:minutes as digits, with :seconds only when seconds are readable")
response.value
11:51
